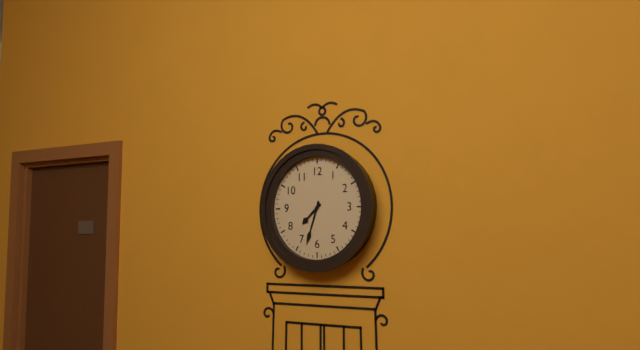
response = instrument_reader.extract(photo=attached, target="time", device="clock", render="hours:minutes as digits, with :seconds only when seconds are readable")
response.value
7:33
